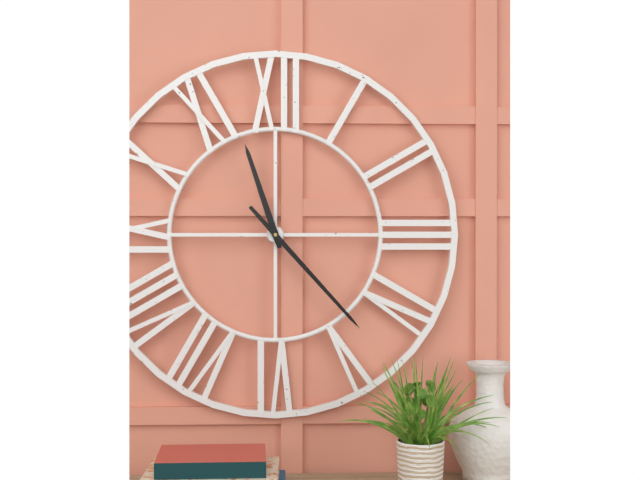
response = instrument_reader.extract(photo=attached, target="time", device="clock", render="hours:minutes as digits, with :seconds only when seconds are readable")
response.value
11:23
